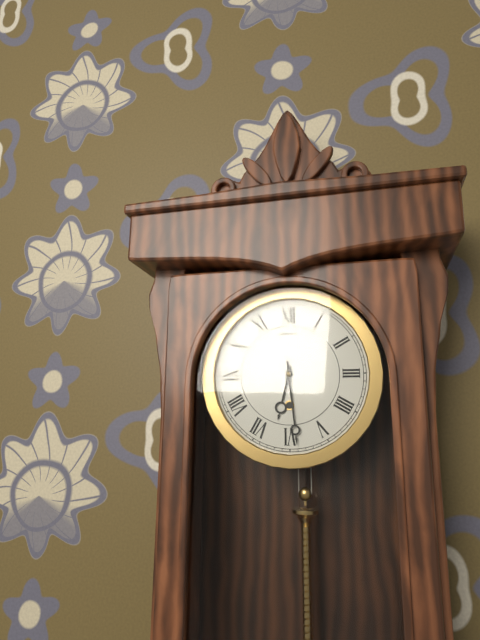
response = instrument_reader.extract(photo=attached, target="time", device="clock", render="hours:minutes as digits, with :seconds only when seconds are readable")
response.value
6:29
